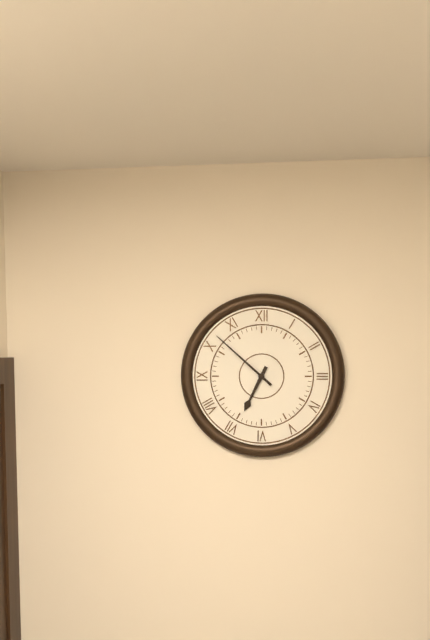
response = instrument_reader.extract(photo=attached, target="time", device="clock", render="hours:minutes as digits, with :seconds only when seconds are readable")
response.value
6:52
